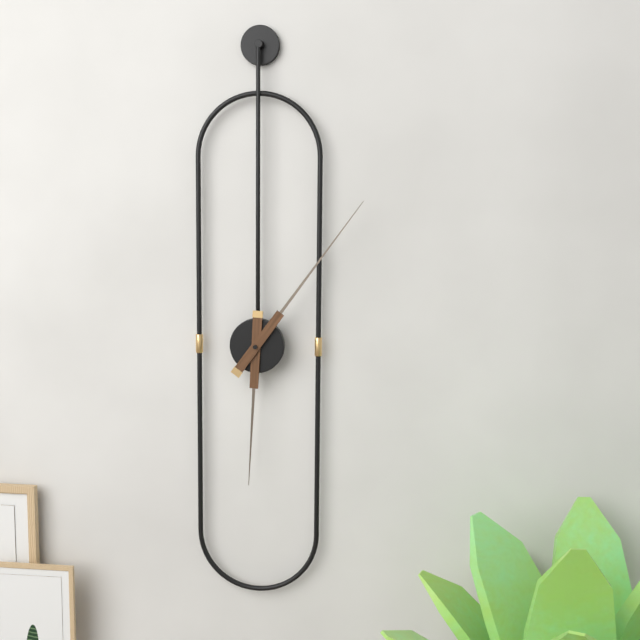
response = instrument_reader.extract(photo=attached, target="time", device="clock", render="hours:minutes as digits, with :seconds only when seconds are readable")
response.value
6:06
